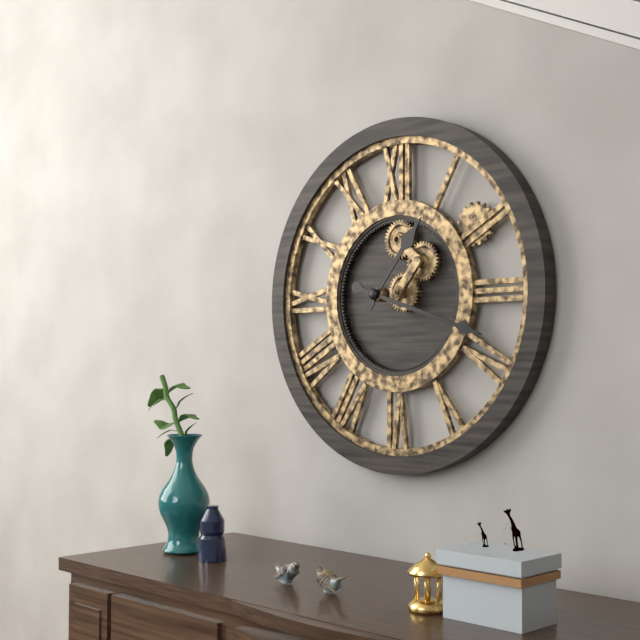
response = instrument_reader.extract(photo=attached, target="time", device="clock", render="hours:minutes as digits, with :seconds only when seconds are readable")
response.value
1:18
